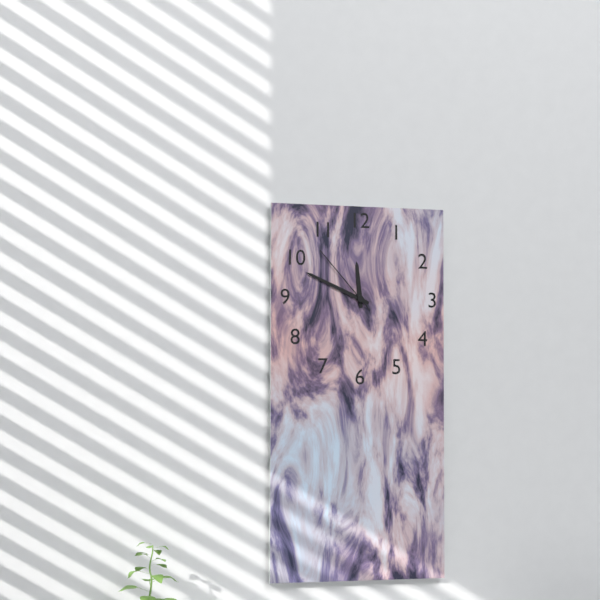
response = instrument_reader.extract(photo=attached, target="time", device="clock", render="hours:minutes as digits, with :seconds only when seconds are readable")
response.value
11:49:53
